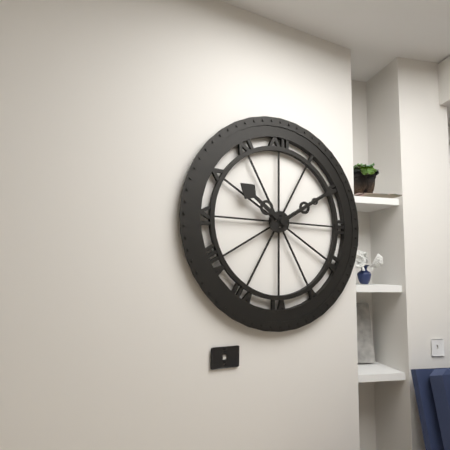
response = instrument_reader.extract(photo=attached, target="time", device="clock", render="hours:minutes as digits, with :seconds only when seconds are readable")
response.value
10:10
